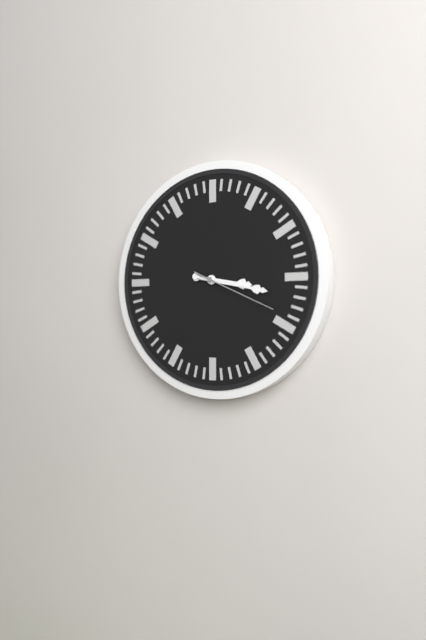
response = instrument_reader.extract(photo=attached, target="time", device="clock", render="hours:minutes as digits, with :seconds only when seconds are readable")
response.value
3:17:19
